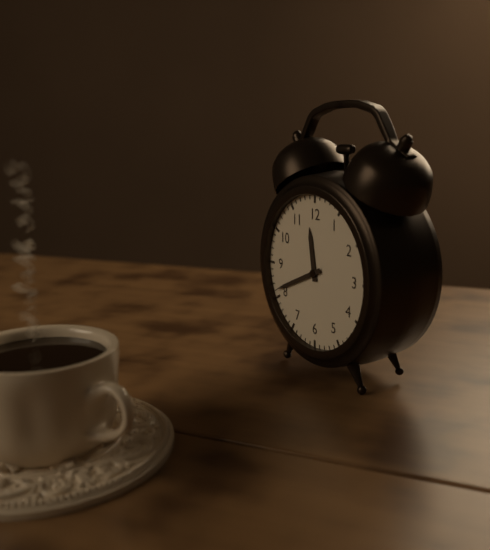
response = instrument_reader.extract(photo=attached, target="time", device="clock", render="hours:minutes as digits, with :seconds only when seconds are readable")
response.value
11:41
